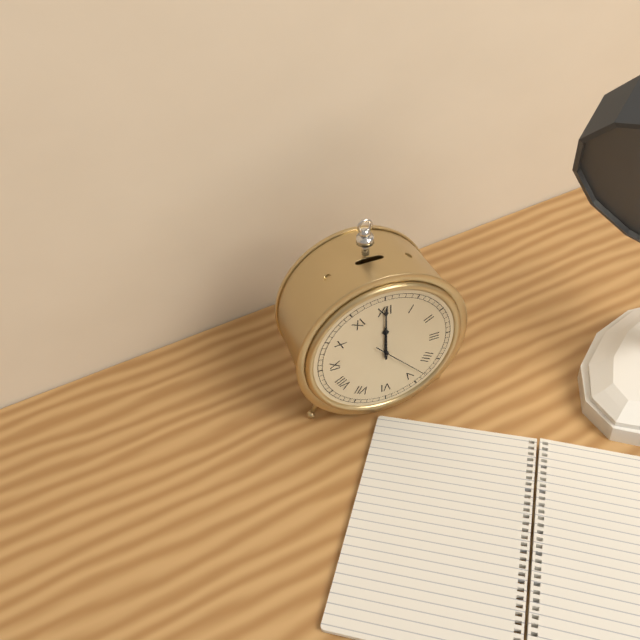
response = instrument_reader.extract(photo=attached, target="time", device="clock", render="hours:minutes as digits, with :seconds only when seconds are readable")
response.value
12:00:23
